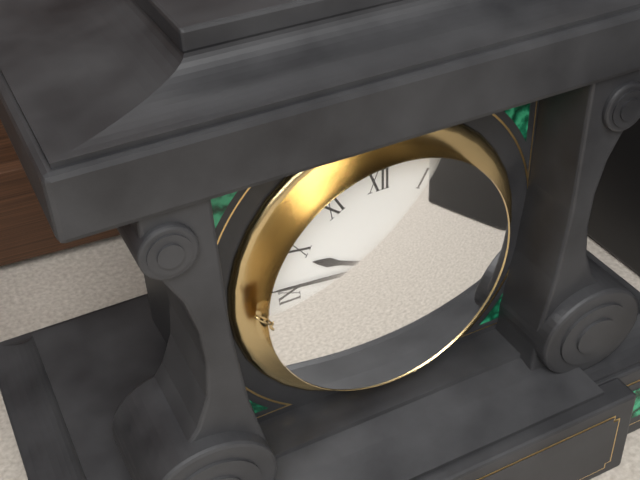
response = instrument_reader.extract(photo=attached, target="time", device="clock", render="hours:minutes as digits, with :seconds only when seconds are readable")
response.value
9:46
